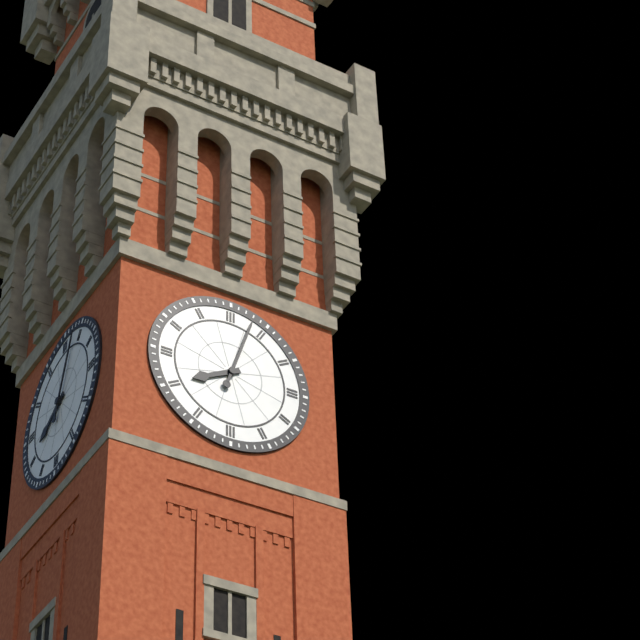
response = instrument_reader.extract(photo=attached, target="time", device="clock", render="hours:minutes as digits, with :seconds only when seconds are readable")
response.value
8:03
